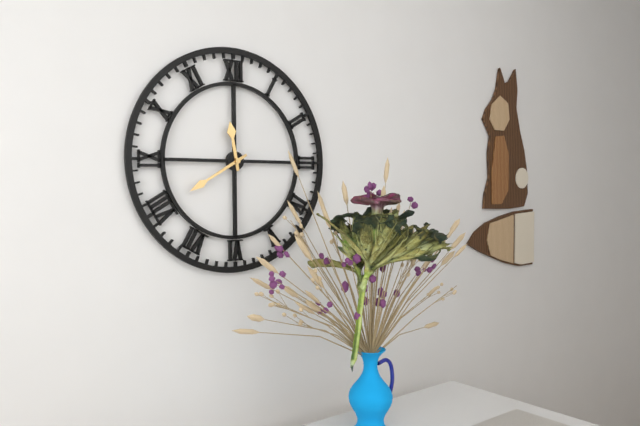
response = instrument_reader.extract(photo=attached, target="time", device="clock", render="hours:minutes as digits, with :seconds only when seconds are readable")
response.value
11:40
